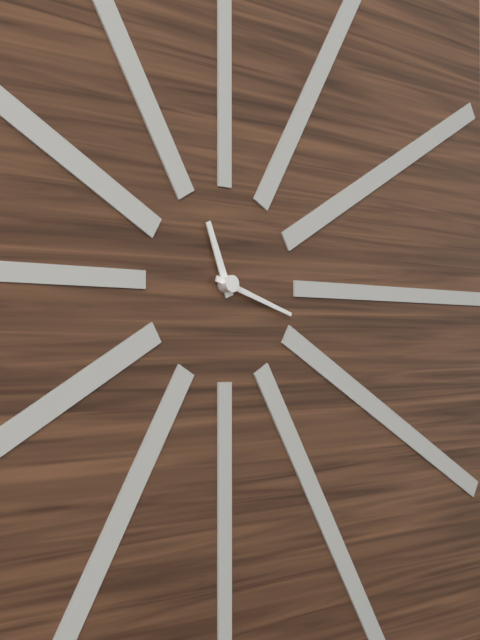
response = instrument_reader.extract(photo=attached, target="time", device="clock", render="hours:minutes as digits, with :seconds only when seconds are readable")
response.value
11:18
